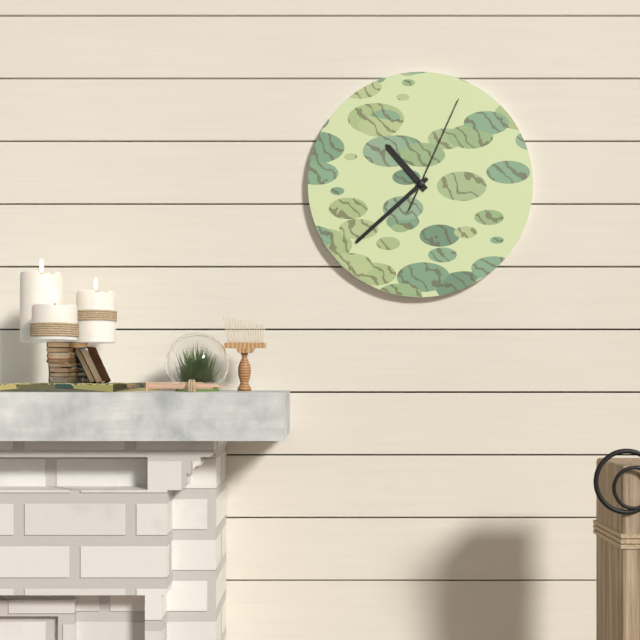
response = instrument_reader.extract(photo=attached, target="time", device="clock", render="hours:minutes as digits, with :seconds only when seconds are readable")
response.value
10:38:04
